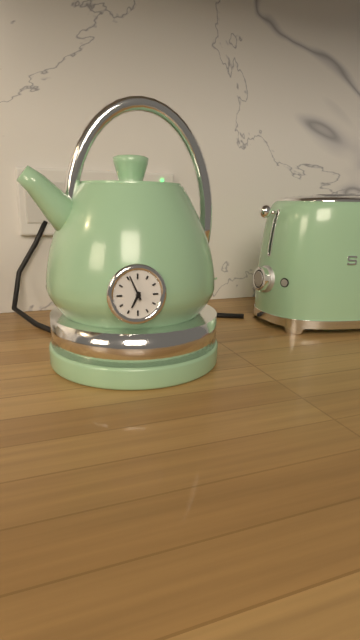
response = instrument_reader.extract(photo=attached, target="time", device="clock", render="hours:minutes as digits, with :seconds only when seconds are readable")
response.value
6:56
